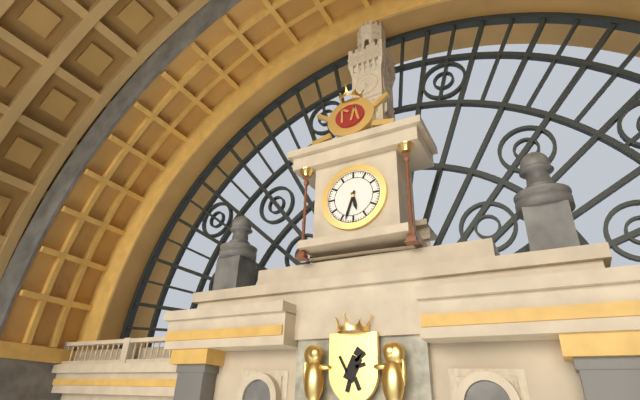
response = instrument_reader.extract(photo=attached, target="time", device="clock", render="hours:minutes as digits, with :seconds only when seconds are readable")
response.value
5:33
